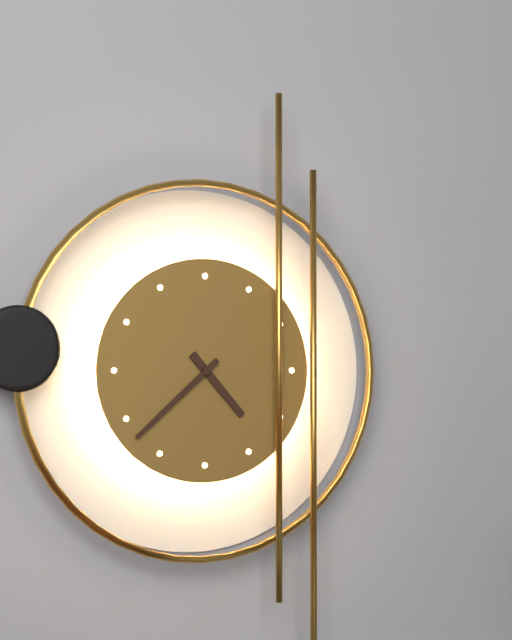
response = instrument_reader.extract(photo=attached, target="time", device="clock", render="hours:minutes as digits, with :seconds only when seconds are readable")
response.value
4:38
